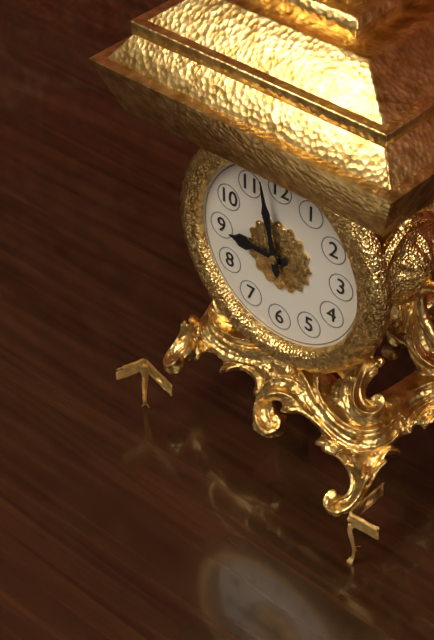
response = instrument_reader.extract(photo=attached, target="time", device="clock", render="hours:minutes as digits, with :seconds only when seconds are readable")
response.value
8:58
